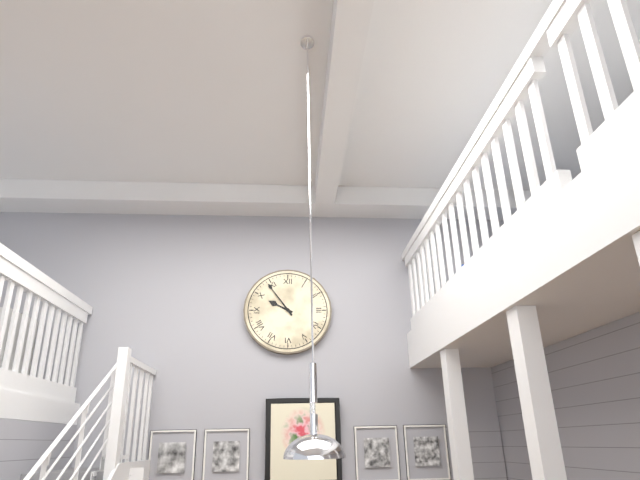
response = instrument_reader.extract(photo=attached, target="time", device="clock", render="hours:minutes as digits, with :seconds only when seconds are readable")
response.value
9:54
